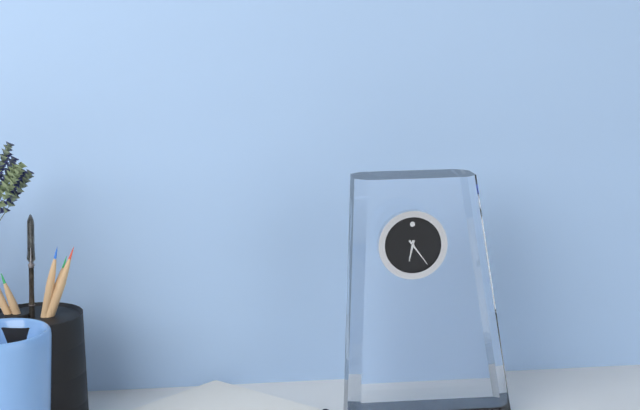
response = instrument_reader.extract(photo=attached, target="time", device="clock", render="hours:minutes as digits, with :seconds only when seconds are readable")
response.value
6:24
